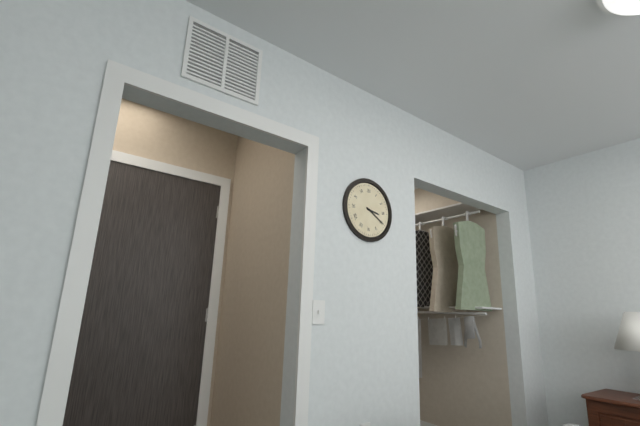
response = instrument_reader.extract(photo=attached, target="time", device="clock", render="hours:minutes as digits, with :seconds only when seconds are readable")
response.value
3:20
